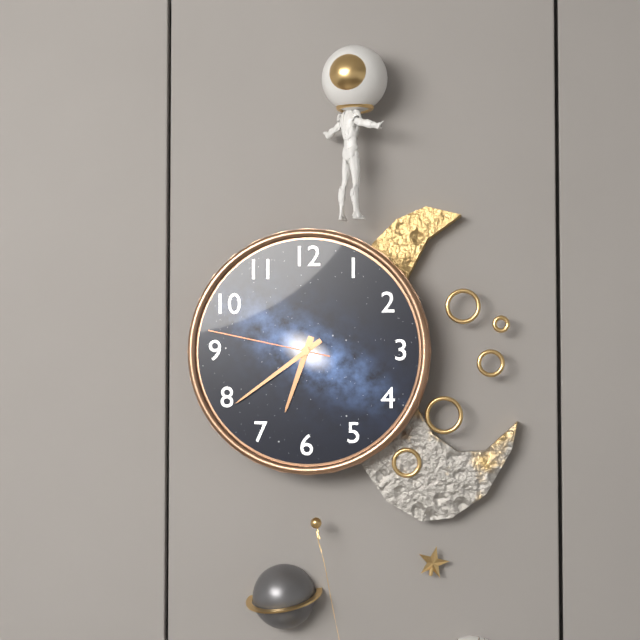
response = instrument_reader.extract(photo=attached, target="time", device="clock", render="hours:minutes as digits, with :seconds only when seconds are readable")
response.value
6:39:47
